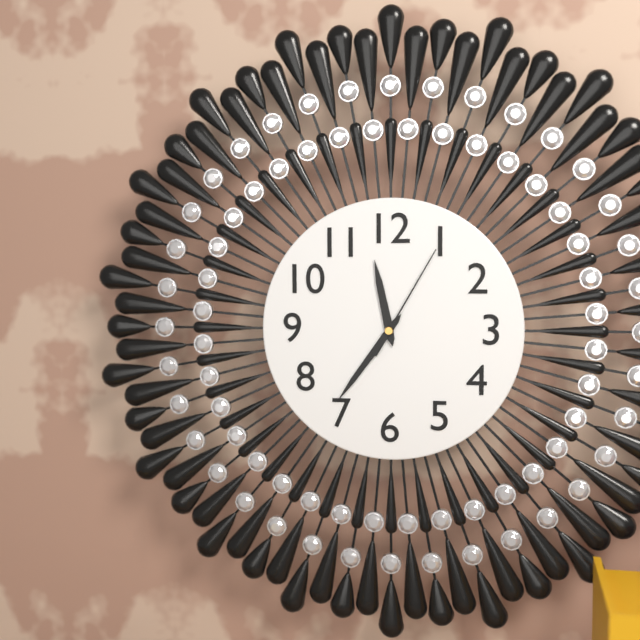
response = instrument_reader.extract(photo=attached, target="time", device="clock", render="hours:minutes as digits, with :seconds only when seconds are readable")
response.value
11:36:05
